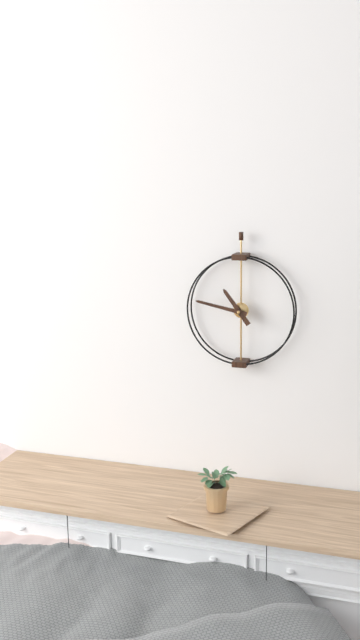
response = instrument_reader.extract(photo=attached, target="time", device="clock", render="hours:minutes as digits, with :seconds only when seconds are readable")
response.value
10:47
